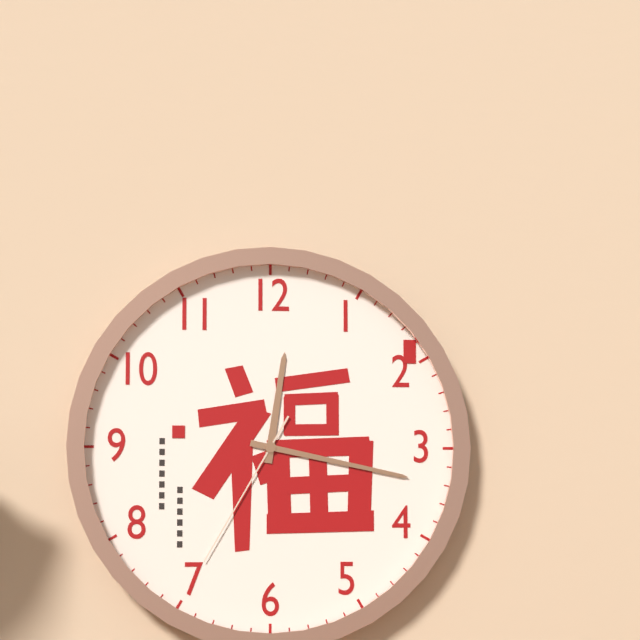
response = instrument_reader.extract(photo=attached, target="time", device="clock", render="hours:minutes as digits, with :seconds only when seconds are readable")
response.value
12:17:35
